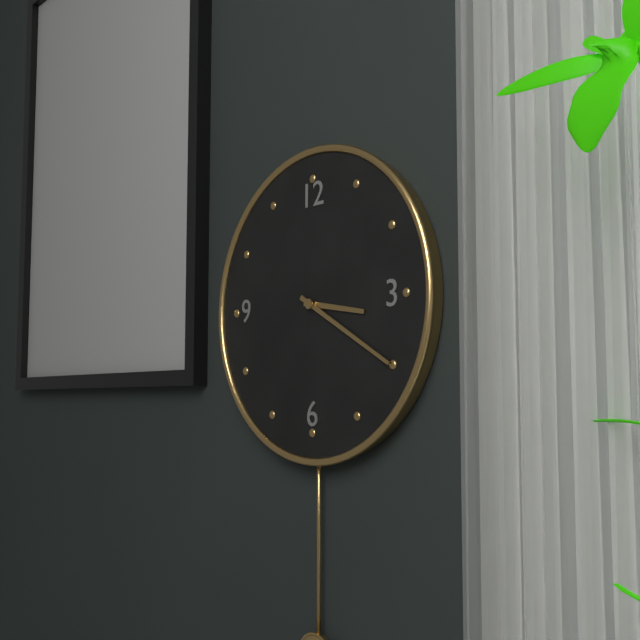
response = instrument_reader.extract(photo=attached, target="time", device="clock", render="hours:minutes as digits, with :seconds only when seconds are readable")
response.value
3:20
